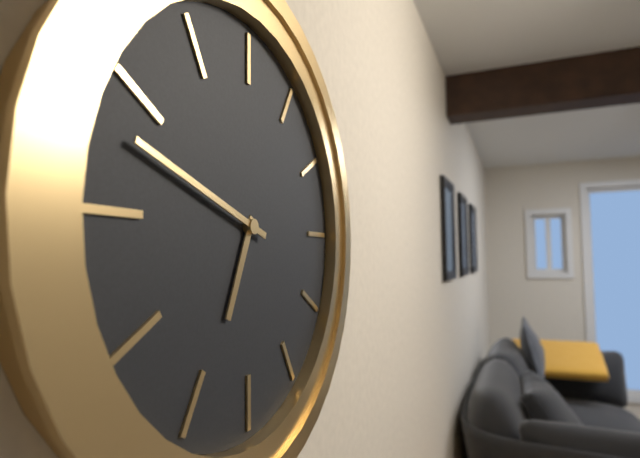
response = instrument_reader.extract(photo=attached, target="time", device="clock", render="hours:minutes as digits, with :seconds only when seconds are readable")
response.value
6:48
